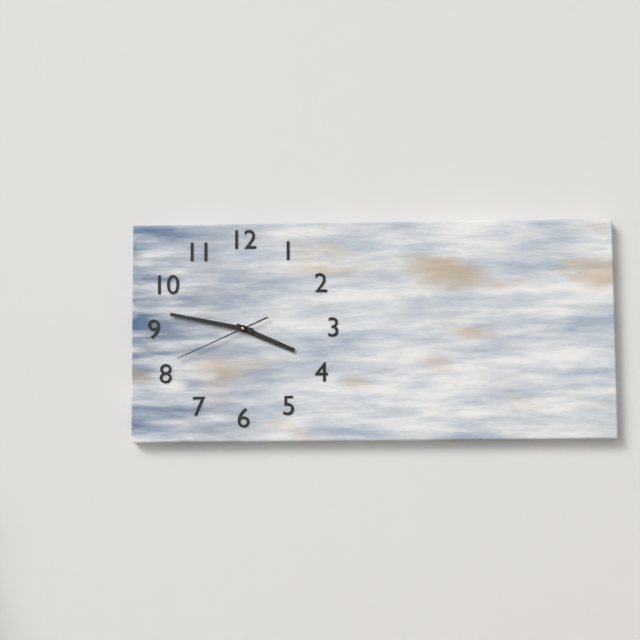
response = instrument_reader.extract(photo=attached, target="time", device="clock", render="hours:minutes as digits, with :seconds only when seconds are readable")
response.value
3:47:41
